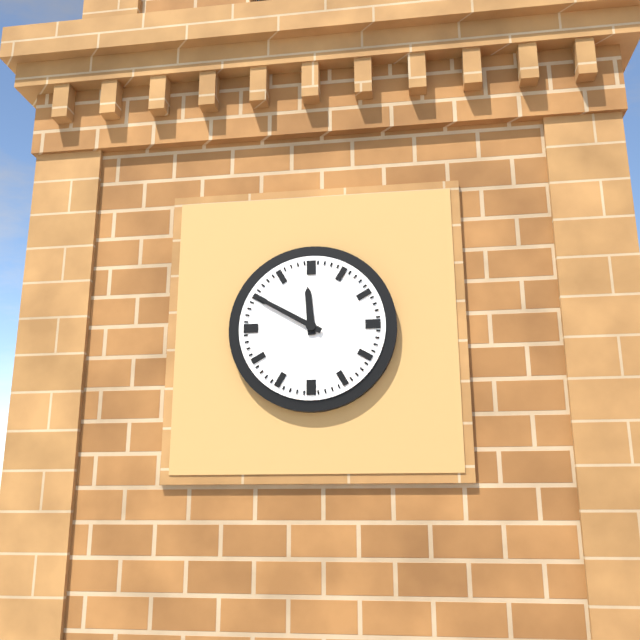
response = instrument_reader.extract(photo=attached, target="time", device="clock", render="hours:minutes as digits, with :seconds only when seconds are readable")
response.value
11:50
